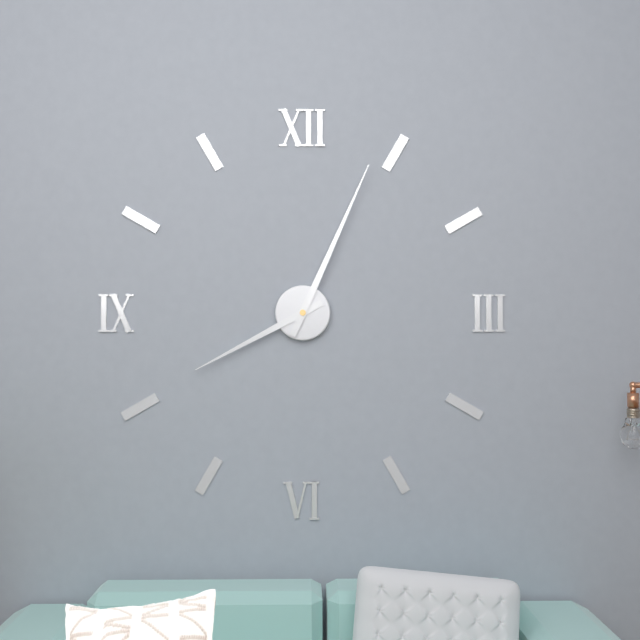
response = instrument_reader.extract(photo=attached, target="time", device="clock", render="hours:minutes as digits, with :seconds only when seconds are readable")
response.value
8:04
